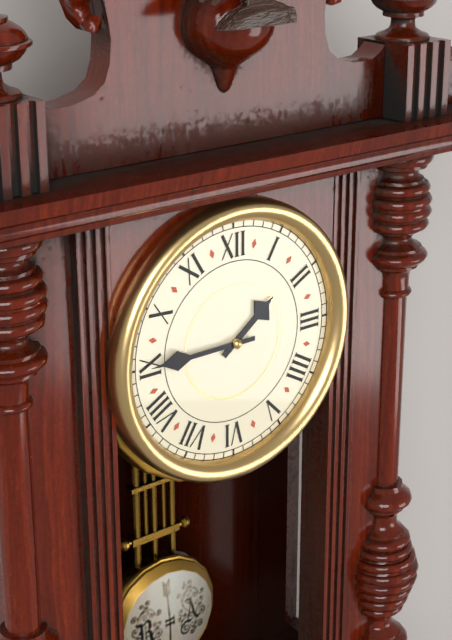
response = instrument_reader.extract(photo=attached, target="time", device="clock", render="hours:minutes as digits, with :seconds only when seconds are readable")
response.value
1:45
